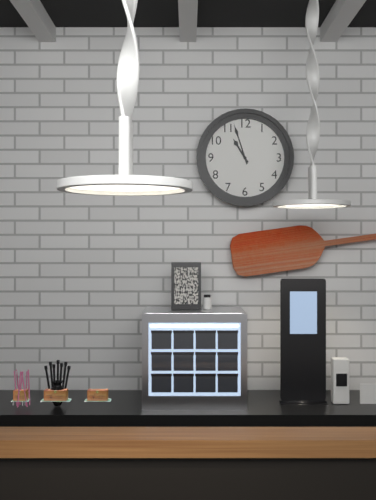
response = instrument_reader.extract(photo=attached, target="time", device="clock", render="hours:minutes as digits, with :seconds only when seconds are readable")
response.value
10:57
